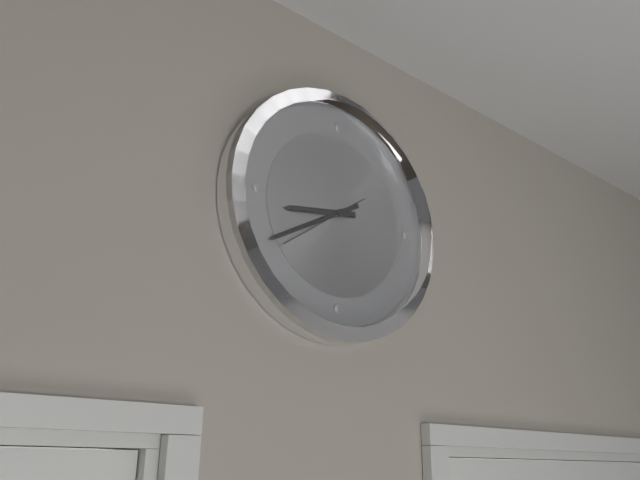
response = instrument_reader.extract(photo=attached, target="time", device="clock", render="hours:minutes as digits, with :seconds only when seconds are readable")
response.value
8:40:39
